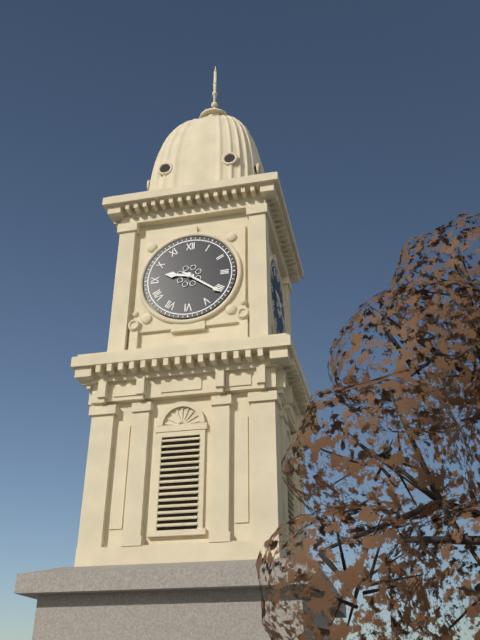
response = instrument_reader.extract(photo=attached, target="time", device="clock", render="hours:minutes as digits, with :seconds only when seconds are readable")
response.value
9:21
